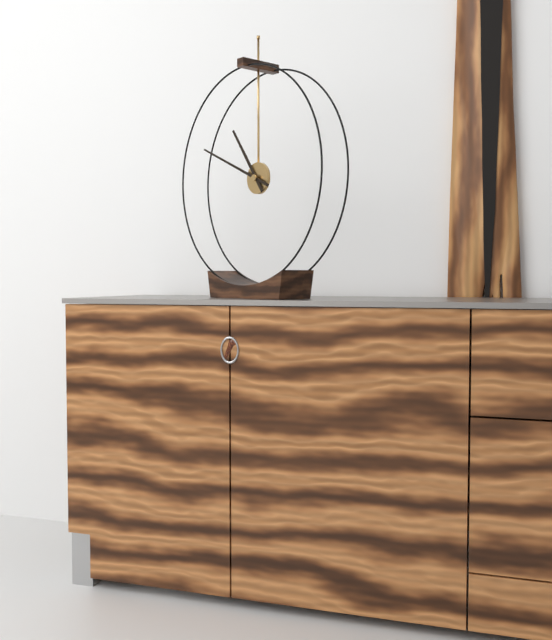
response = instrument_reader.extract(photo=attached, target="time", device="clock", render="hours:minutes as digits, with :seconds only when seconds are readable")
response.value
10:49
